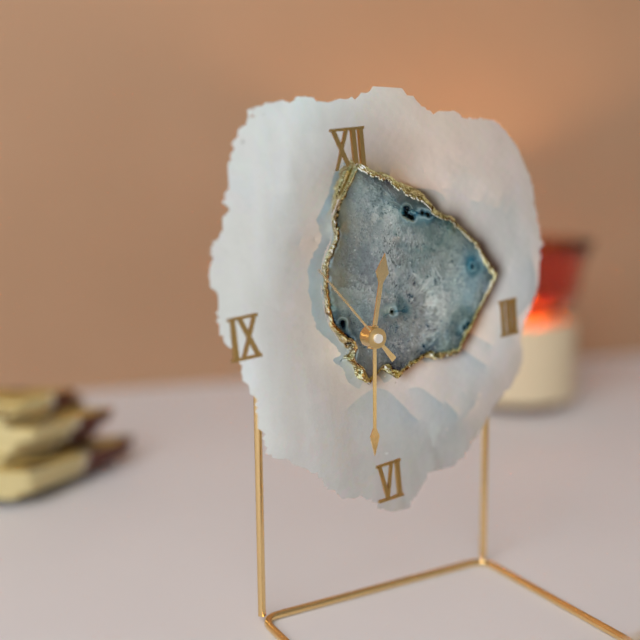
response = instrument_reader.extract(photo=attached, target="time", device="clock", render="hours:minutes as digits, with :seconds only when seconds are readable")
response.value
12:31:54
